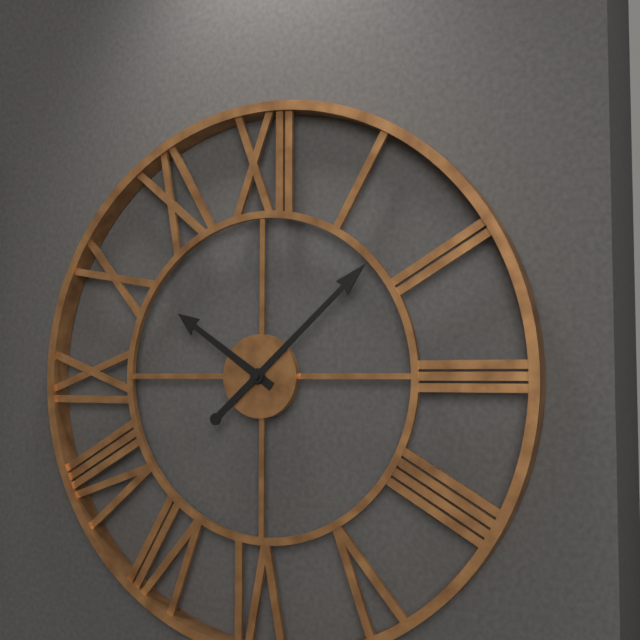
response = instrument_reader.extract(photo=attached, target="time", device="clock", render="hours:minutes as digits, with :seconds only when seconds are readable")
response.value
10:08
